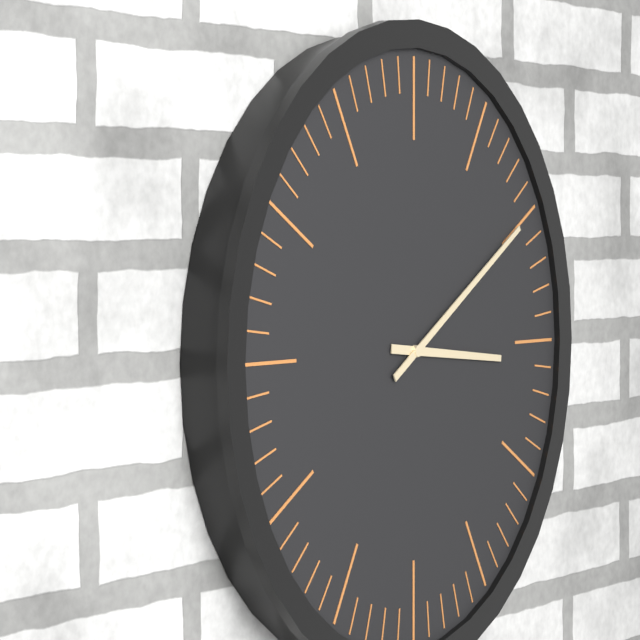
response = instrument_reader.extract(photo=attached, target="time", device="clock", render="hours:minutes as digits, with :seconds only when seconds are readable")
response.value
3:10
